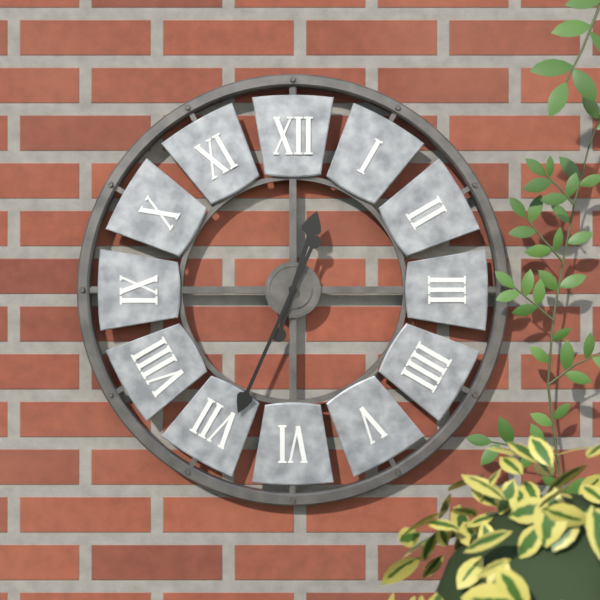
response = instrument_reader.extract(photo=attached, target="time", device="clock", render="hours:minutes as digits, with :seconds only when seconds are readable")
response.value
12:34
